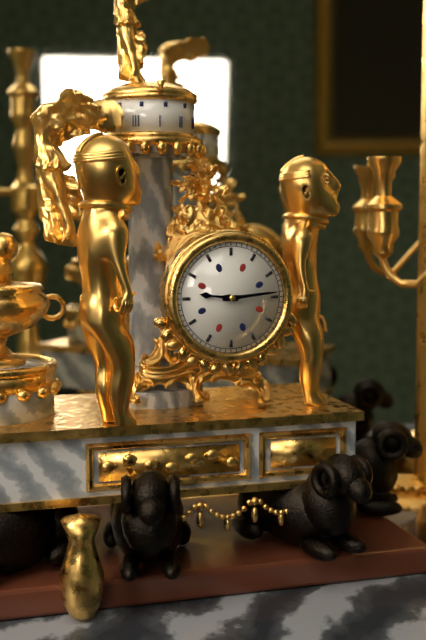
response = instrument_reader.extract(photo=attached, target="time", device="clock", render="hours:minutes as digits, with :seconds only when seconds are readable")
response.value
9:14
